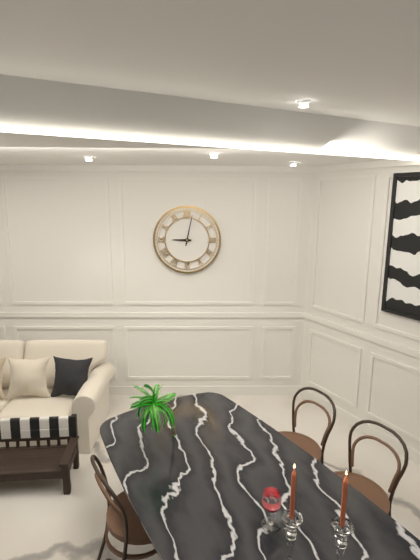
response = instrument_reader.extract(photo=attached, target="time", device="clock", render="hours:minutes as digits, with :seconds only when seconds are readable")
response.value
9:02
